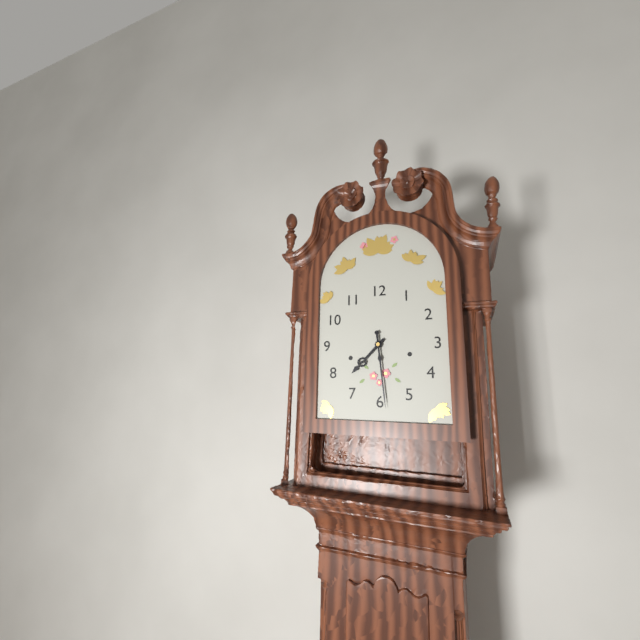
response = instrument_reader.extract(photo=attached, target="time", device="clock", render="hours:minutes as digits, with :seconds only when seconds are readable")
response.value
7:29
